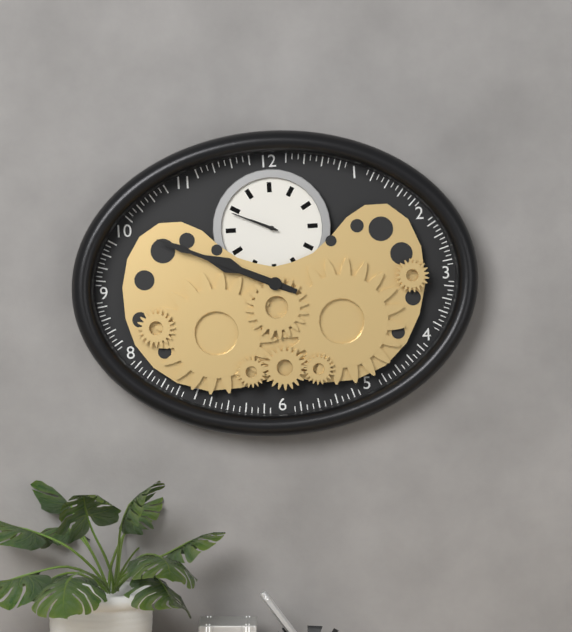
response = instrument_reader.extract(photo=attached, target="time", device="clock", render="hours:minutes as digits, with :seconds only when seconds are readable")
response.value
9:49
